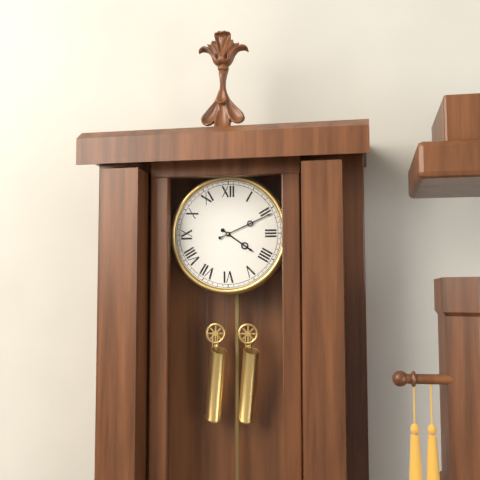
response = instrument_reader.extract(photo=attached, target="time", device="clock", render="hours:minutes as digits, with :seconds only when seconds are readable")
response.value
4:11
